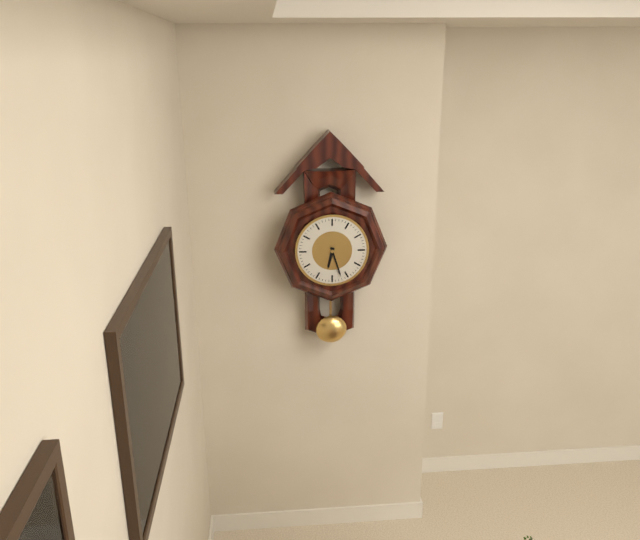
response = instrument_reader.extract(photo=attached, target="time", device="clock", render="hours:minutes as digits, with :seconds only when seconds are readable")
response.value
6:27
